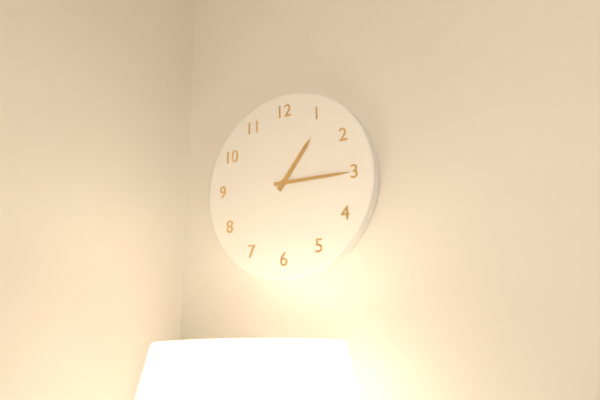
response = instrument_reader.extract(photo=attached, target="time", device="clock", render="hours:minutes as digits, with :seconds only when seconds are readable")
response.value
1:15
